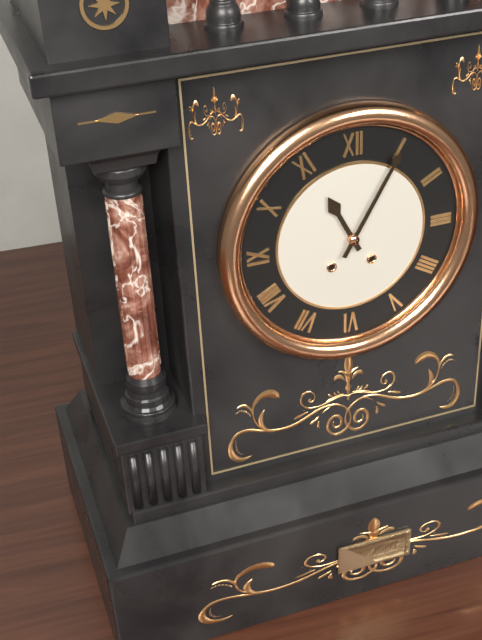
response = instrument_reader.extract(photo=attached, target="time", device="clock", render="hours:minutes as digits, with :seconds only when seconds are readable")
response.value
11:05
